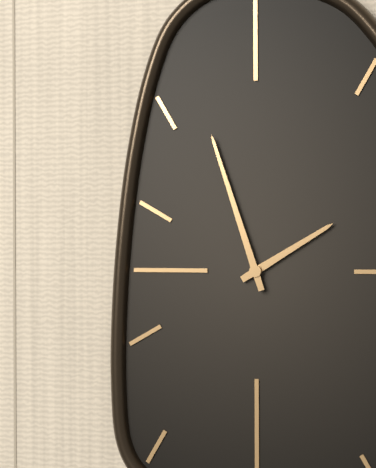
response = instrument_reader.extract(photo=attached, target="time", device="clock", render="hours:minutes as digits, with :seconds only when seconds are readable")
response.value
1:57
